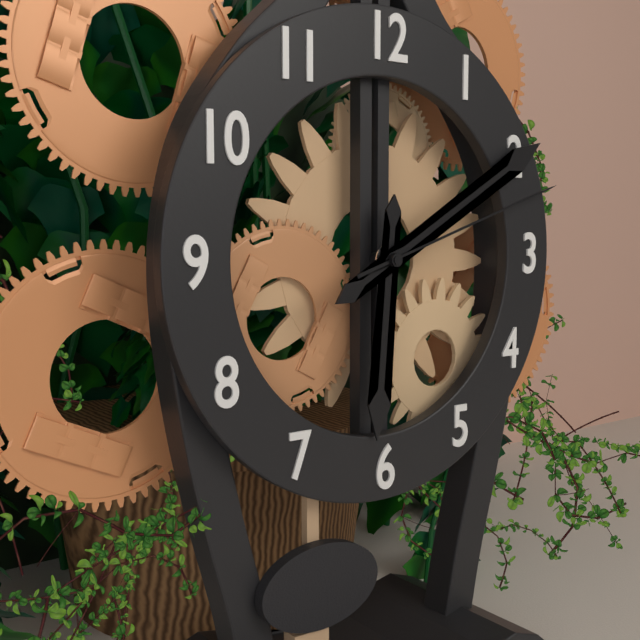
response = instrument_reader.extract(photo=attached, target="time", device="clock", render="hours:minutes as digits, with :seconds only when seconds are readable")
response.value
6:10:12
